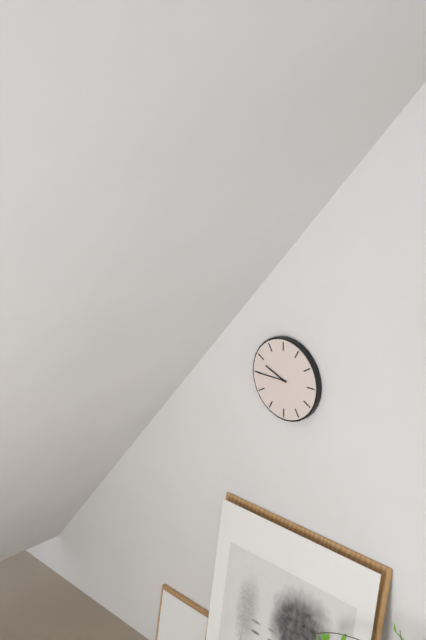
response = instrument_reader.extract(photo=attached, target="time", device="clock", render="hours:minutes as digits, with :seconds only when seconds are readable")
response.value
9:45
